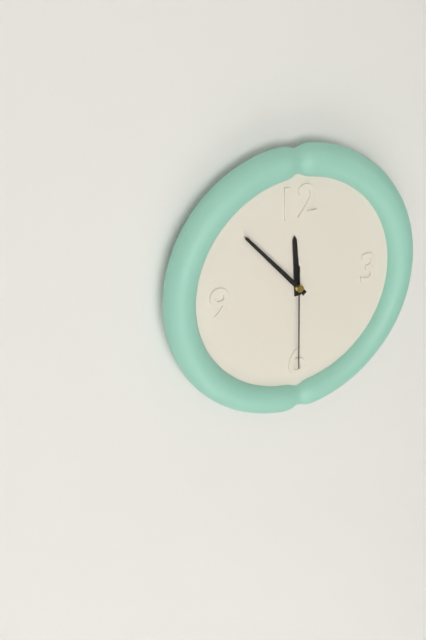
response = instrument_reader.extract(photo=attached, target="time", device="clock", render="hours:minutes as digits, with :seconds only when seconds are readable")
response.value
11:53:30
